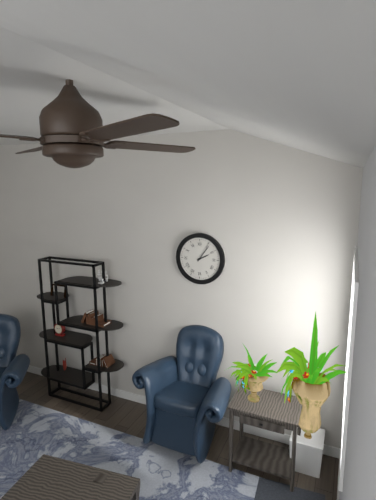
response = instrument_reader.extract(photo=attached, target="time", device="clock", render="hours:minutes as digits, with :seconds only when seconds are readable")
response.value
2:06
